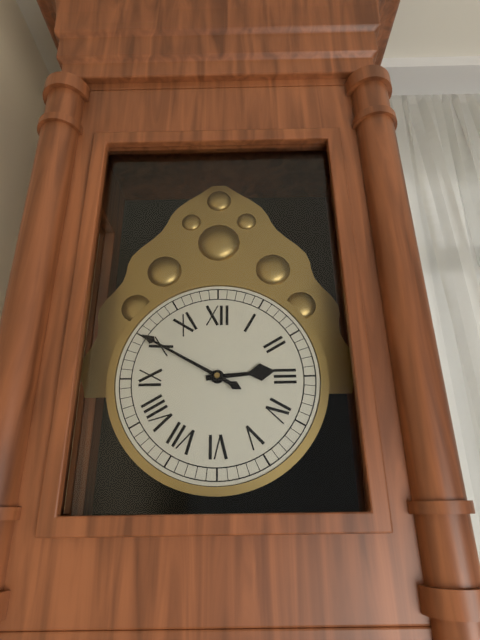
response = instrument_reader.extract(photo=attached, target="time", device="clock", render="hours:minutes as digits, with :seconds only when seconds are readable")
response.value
2:50
